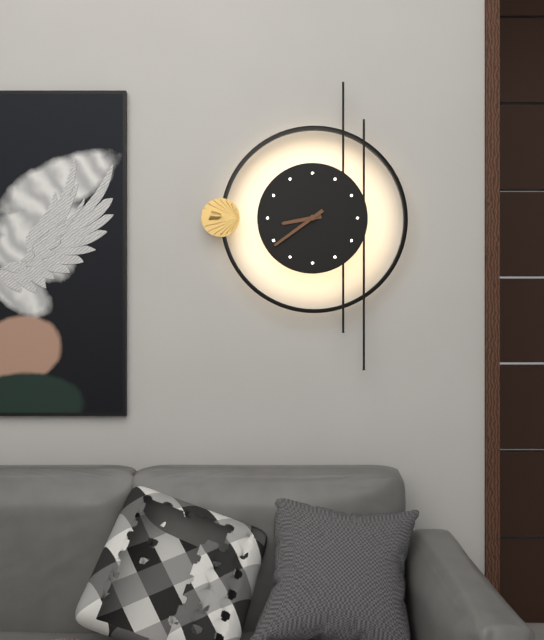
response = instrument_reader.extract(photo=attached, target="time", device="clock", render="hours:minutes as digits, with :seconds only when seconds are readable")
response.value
8:39
